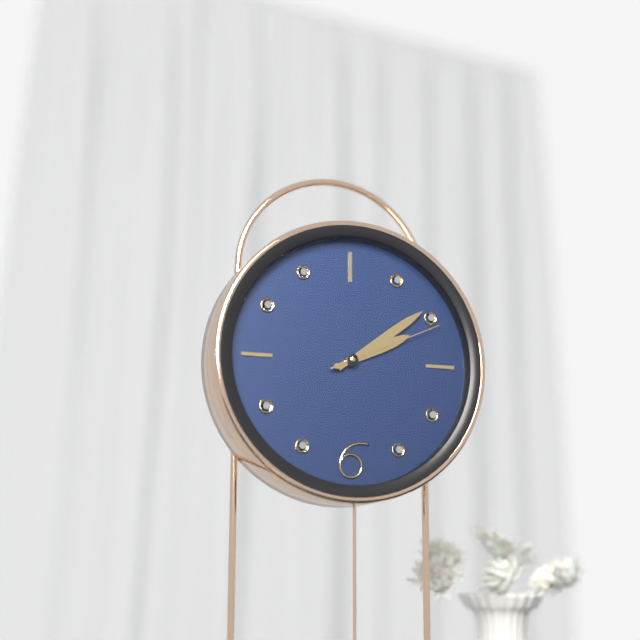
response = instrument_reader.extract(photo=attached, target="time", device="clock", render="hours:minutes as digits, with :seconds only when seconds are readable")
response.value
2:09:11
